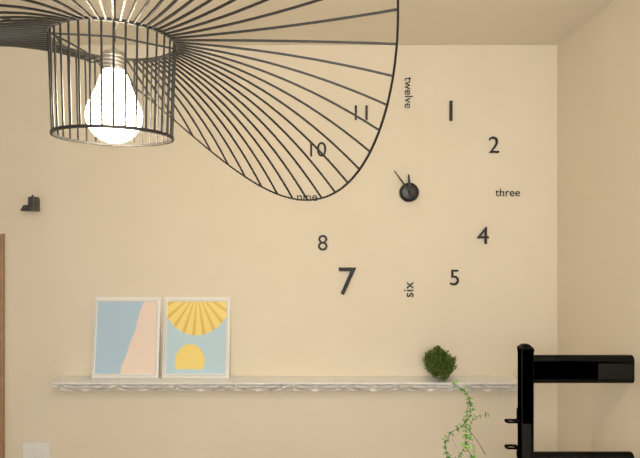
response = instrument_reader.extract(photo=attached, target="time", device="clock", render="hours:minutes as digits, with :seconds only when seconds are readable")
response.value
11:54
